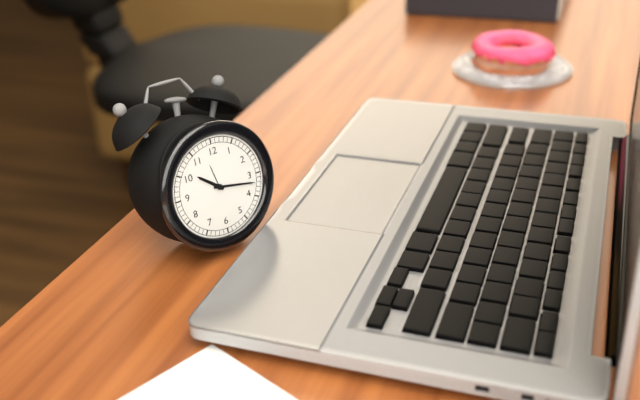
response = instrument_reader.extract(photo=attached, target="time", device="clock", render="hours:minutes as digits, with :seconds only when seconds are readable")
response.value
10:17
